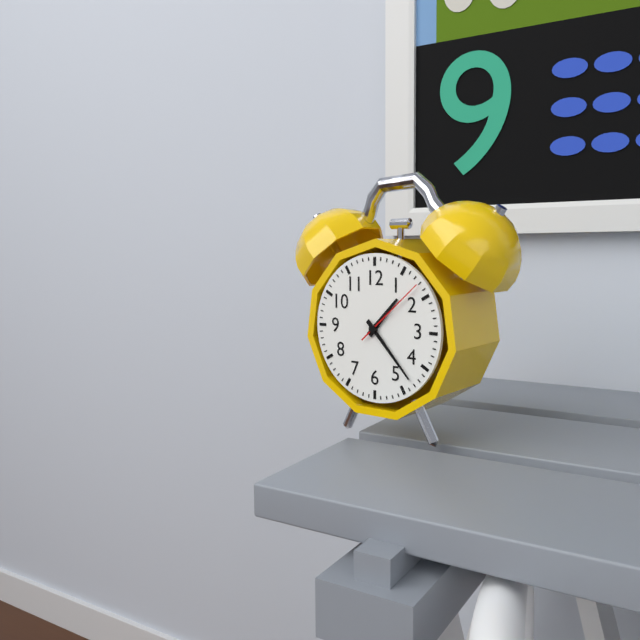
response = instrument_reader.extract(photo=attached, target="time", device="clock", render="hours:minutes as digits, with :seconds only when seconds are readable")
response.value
1:23:08
